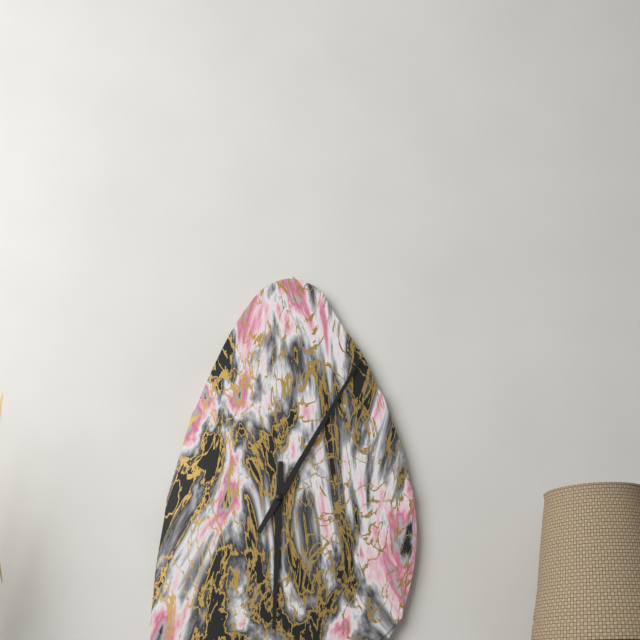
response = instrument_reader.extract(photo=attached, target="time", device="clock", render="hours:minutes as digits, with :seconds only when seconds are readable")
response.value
6:05
